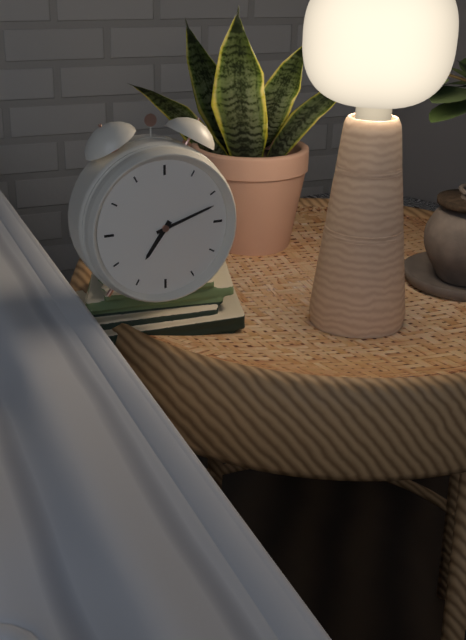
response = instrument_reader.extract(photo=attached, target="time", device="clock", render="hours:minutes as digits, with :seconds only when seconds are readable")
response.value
7:12
